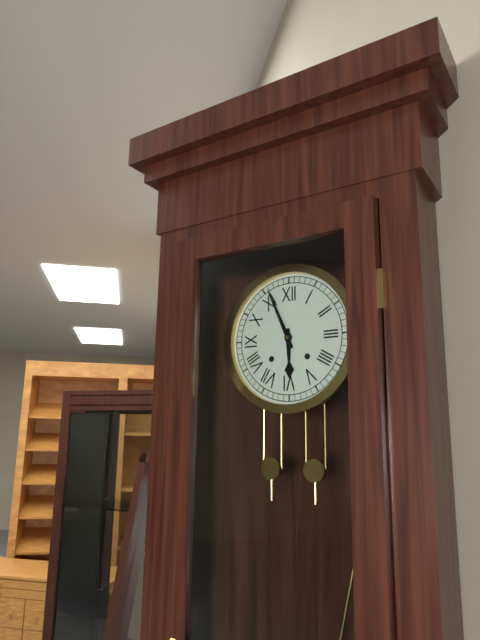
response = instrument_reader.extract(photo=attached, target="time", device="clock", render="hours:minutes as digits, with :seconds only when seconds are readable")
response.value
5:56
